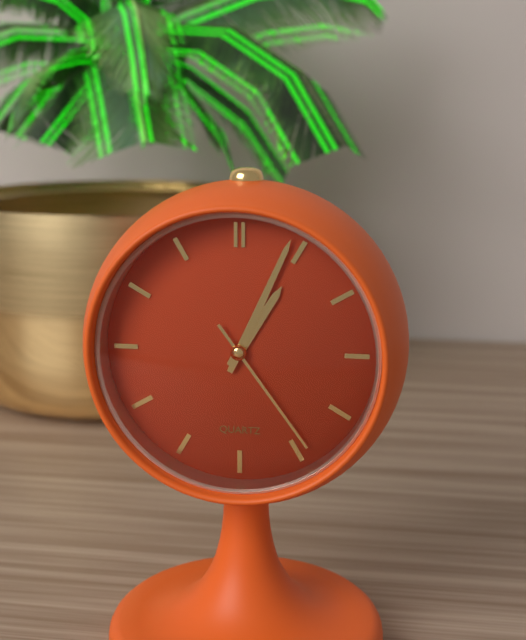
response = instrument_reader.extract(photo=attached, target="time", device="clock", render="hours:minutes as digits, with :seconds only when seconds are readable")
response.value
1:04:24
